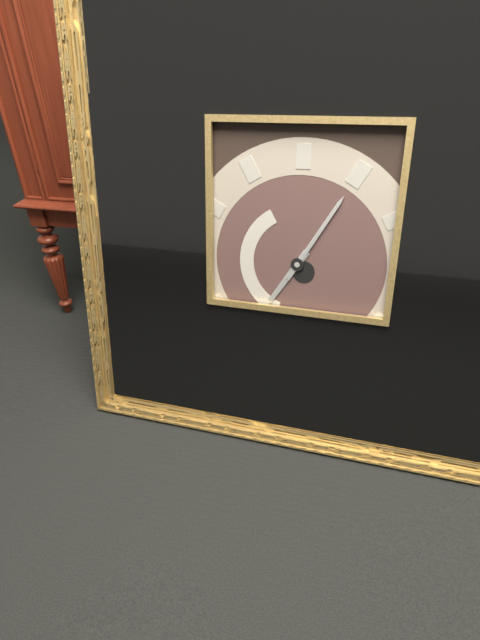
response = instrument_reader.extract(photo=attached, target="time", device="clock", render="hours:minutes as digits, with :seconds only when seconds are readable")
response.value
7:05
